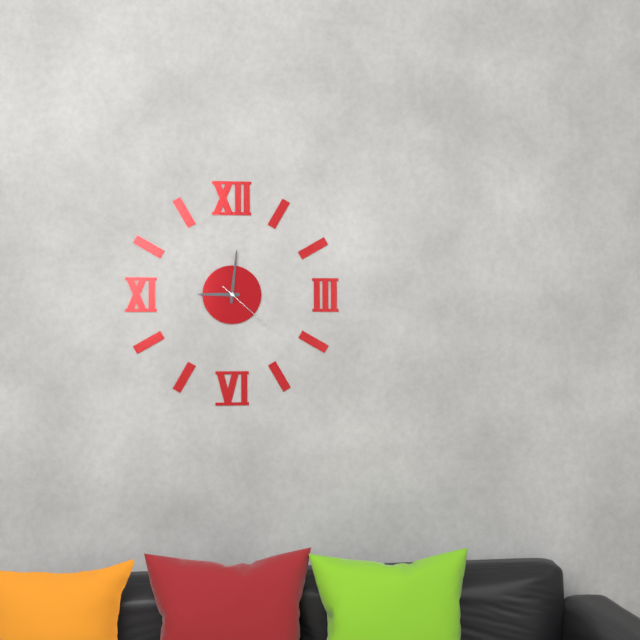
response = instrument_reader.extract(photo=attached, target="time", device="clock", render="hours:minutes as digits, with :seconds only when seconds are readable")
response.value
9:01:22
